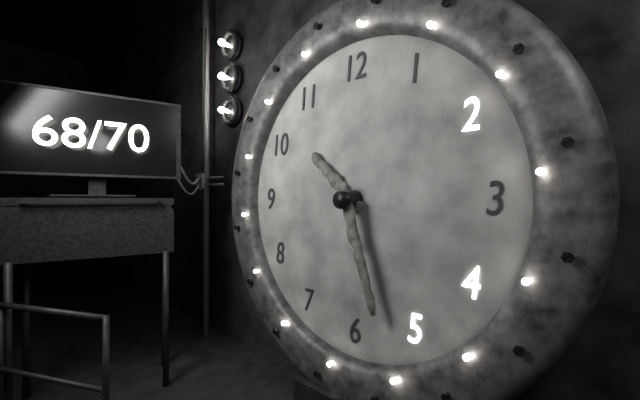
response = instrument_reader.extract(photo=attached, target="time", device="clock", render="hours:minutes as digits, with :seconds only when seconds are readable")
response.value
10:27
